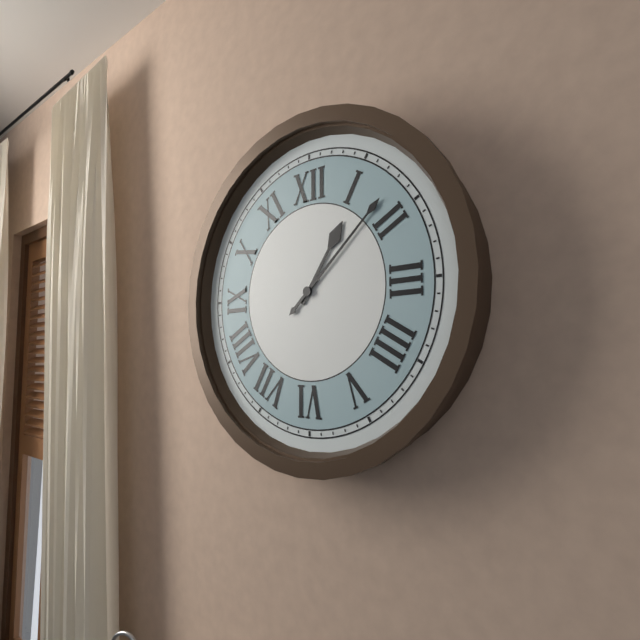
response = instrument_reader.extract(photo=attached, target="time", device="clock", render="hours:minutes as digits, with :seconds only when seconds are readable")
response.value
1:08
